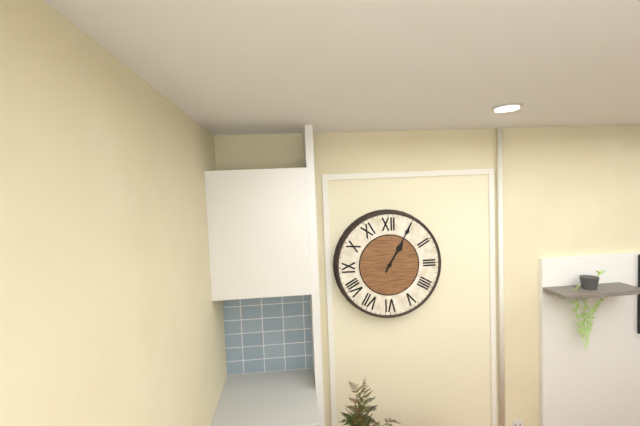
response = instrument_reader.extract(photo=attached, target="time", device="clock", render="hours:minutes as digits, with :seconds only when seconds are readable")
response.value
1:05
